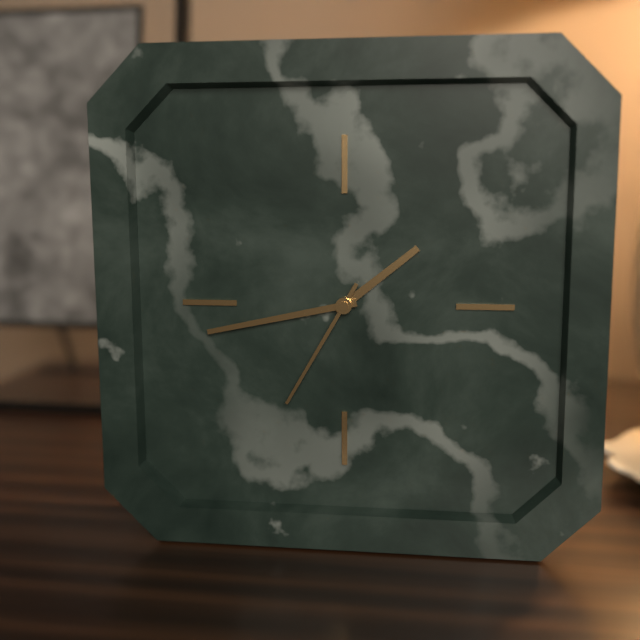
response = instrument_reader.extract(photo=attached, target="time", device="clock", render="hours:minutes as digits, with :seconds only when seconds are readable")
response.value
1:43:35
